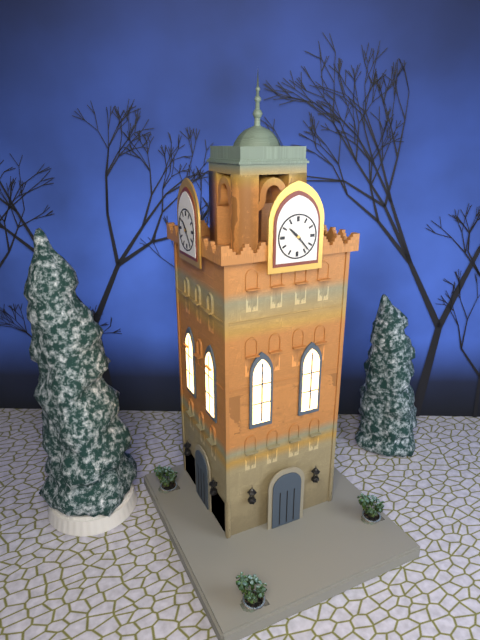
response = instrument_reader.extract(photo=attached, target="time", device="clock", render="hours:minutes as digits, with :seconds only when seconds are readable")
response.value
10:23
